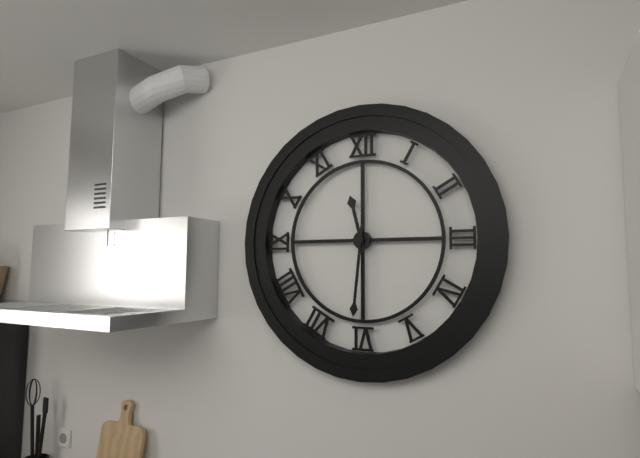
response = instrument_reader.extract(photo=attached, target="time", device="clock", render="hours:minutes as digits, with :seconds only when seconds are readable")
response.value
11:31
